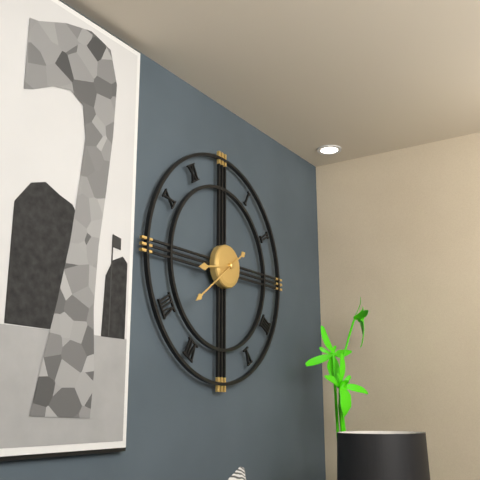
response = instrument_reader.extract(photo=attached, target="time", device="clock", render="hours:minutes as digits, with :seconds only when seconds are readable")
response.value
8:39
